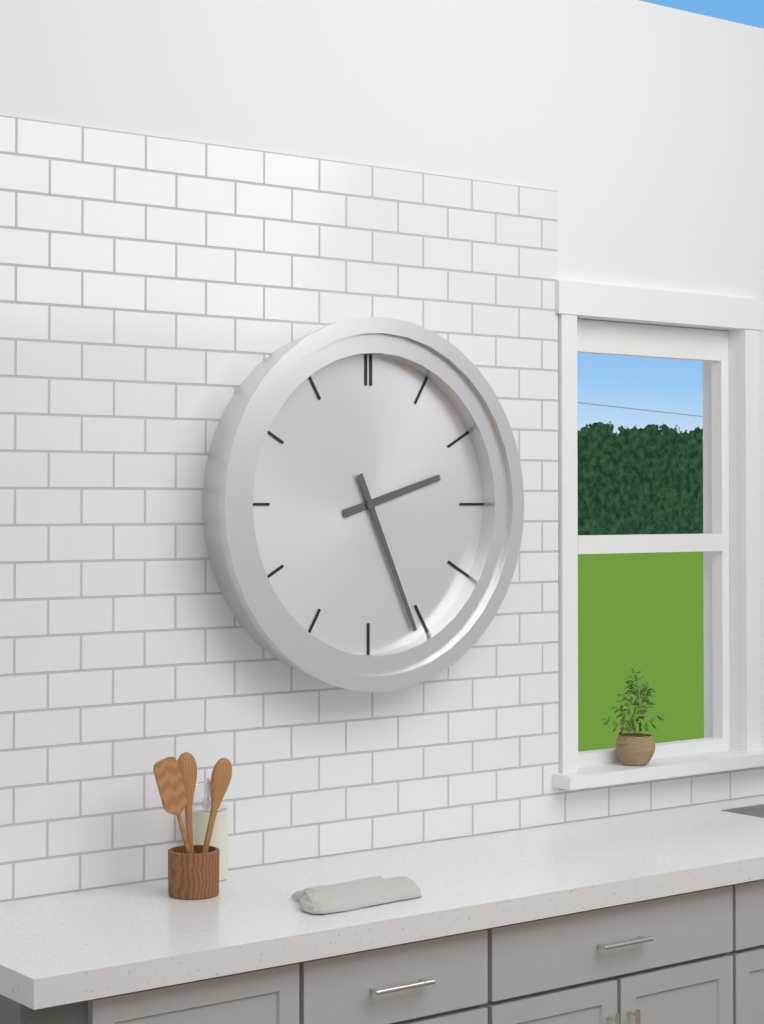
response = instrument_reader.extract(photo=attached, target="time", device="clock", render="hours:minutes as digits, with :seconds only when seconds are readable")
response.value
2:26
